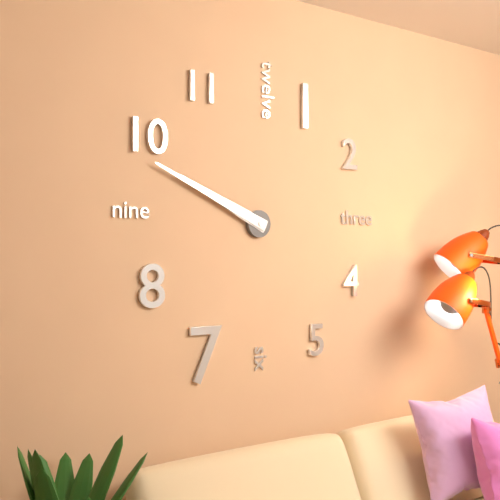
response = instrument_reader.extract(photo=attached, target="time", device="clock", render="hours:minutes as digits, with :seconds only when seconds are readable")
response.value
9:49
